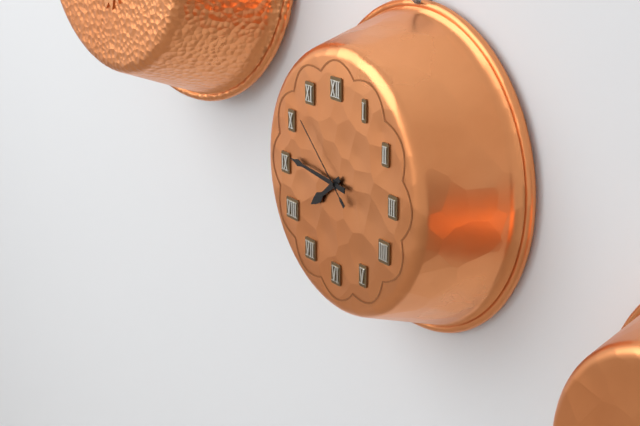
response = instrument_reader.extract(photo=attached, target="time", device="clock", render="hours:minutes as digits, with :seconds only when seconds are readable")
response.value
7:46:52
